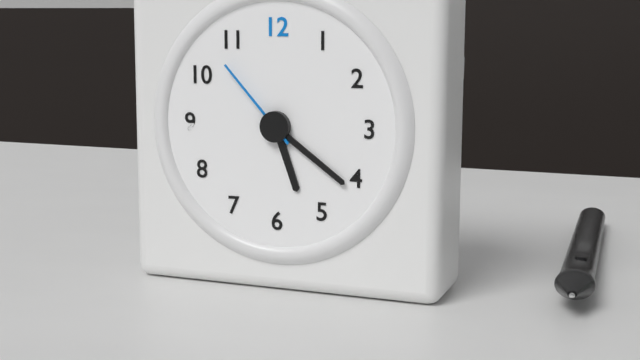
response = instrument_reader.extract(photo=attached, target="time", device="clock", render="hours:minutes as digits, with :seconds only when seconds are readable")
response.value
5:21:53
